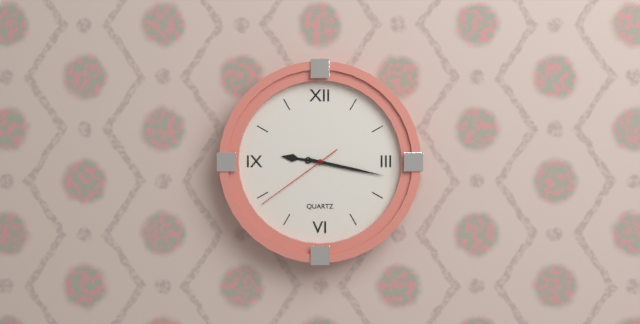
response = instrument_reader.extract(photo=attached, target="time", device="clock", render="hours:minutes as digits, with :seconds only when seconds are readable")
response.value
9:17:39
